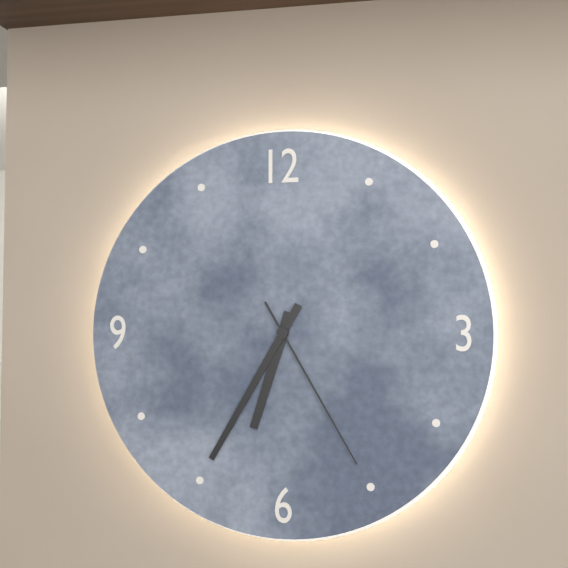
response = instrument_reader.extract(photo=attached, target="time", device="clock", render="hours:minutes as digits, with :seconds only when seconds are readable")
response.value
6:35:25
